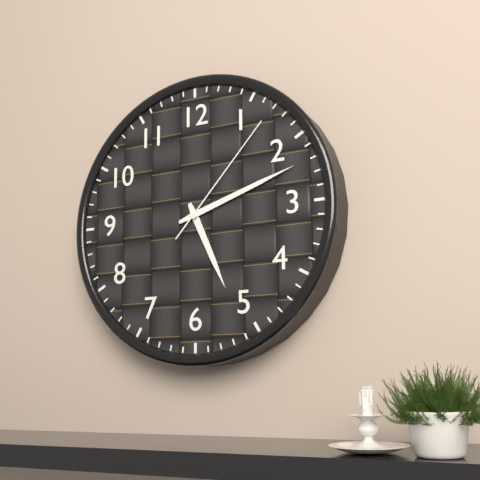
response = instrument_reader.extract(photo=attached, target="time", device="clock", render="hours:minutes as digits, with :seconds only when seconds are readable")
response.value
5:12:07
